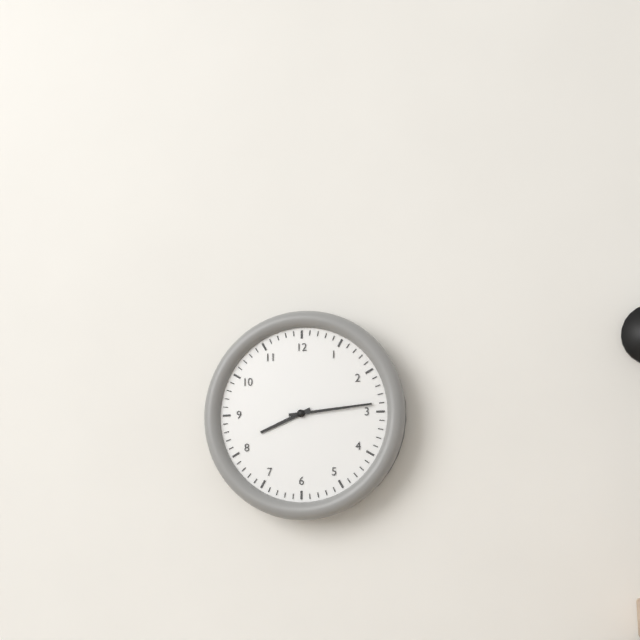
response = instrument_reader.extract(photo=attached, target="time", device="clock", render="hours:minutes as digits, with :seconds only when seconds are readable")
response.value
8:14
